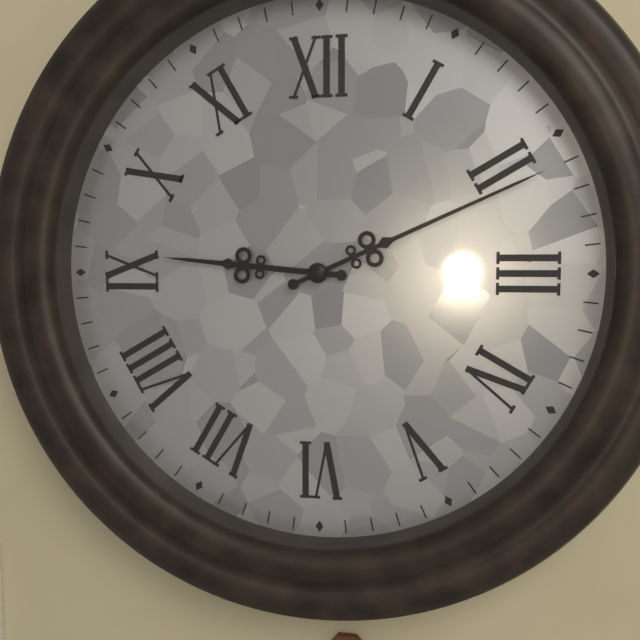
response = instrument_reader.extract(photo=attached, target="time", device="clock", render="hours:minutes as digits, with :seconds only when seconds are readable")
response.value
9:11
